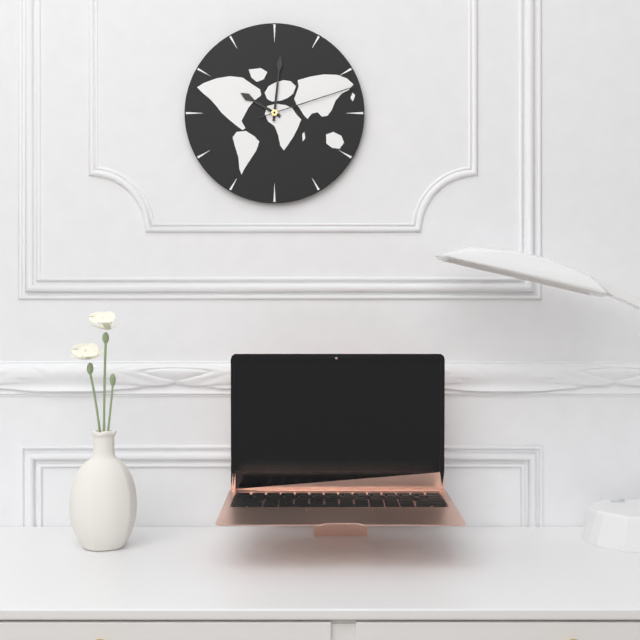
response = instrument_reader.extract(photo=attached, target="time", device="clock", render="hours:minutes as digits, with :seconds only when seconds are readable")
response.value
10:01:12
